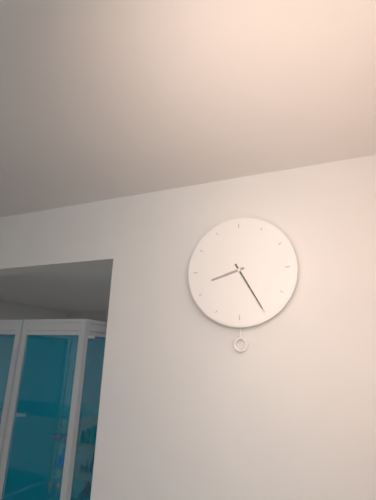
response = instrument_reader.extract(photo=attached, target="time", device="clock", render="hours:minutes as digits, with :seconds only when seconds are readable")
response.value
8:25
